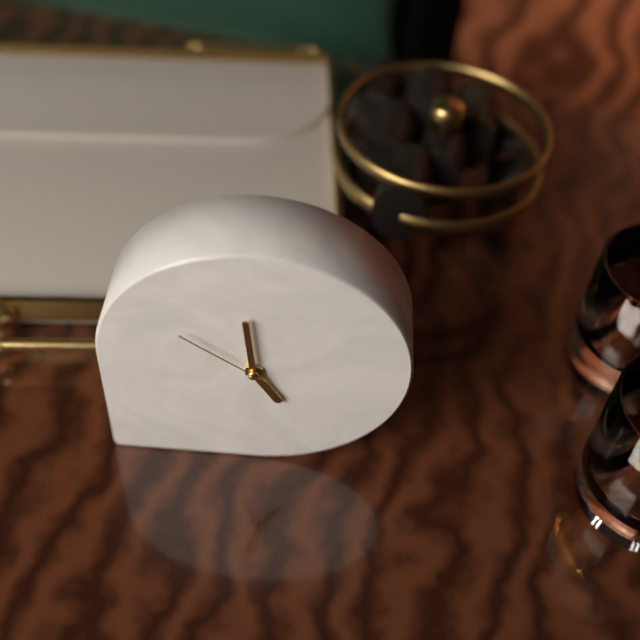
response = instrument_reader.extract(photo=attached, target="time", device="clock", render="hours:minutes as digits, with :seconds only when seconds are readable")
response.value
4:59:51
